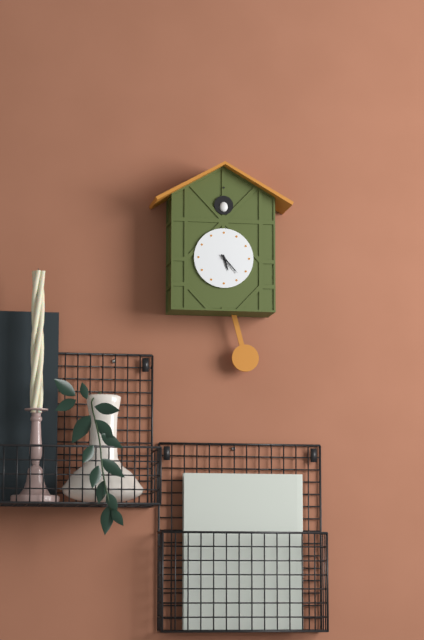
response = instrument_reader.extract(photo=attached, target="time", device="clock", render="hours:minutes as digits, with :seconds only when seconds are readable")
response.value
5:23
